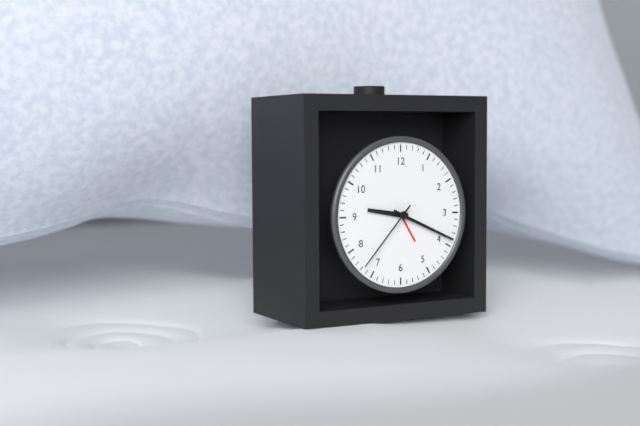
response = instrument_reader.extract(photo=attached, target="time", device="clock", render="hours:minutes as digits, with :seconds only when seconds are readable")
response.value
9:19:37
